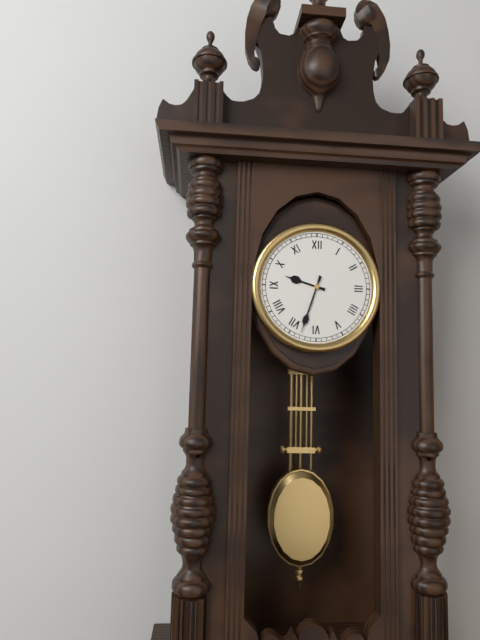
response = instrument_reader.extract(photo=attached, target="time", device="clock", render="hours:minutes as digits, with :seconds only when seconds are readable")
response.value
9:33
